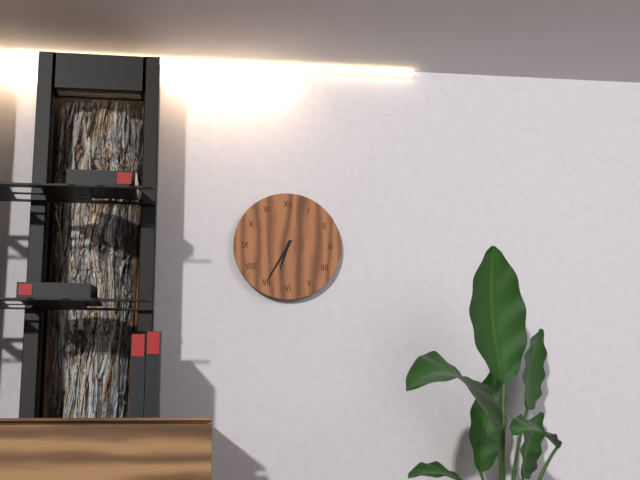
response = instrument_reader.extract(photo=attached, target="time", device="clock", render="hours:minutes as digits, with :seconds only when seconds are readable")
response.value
6:35
